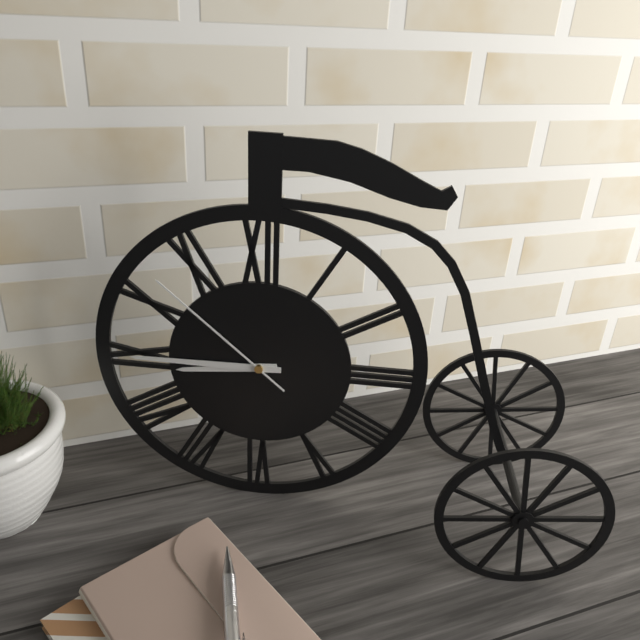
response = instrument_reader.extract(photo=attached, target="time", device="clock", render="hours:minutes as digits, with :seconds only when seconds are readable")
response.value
8:45:52
